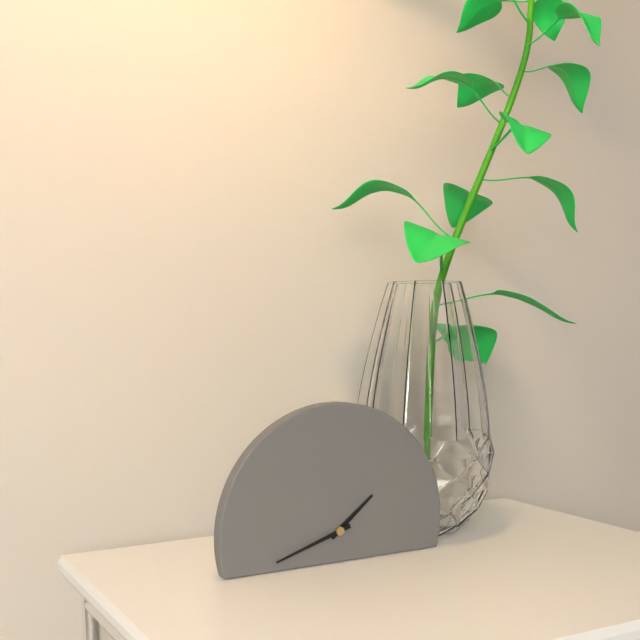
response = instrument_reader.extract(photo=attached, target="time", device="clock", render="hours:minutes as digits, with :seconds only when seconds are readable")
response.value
1:42
